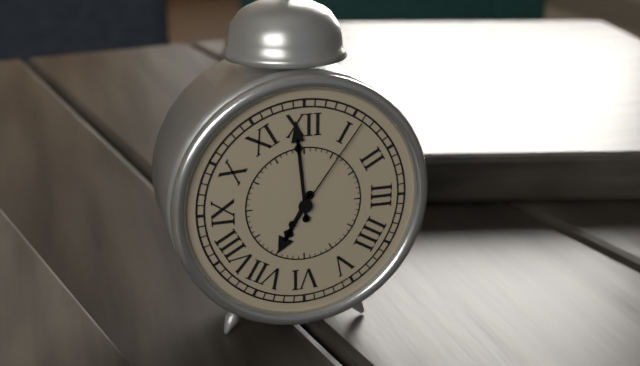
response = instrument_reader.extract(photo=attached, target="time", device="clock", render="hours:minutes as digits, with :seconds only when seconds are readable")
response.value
6:59:06
